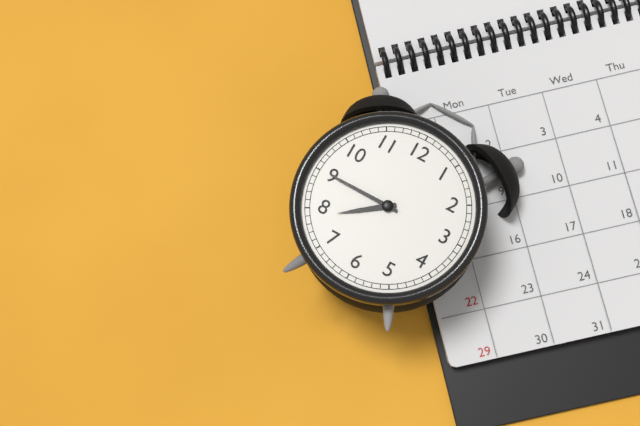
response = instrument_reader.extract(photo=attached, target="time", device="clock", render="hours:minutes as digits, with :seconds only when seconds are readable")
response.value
7:45
